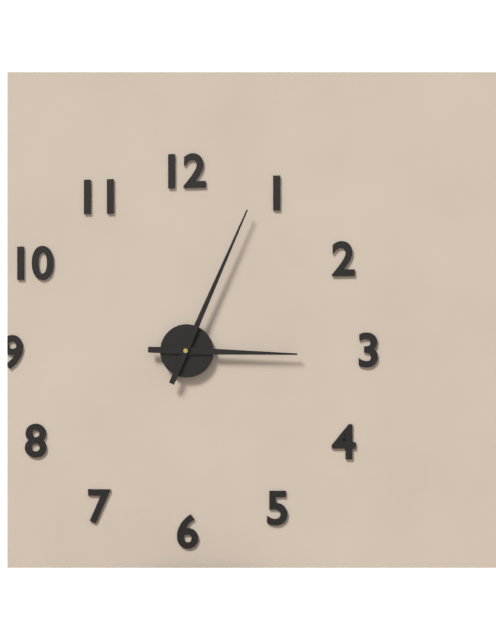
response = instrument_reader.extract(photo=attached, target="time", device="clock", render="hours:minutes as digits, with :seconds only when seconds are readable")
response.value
3:04
